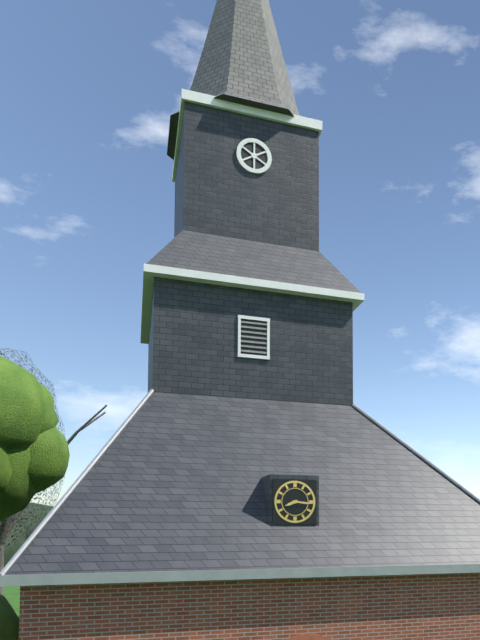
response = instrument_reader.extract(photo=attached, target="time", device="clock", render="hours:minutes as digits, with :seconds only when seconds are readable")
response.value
8:16
